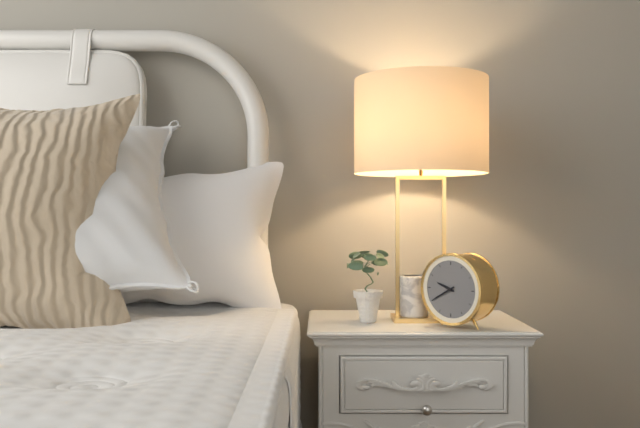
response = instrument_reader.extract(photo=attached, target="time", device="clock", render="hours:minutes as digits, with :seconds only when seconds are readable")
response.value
9:40
